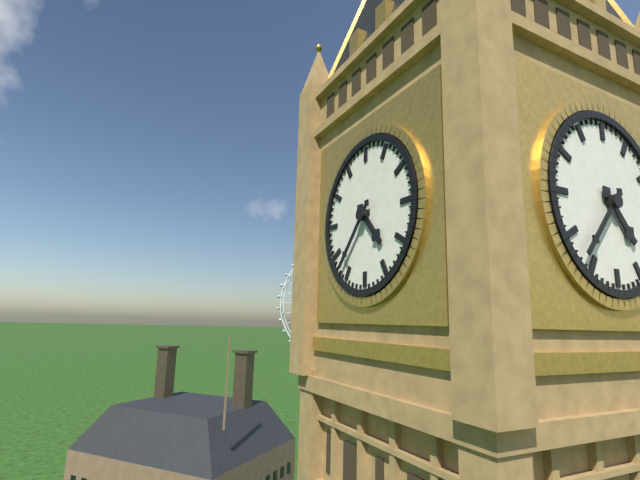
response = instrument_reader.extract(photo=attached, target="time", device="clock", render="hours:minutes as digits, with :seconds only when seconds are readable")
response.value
4:37
